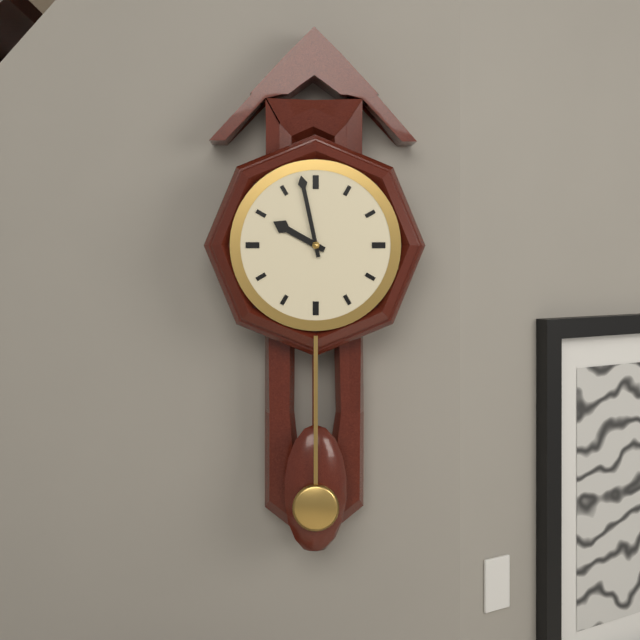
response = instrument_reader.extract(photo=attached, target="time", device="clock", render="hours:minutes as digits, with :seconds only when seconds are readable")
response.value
9:58
